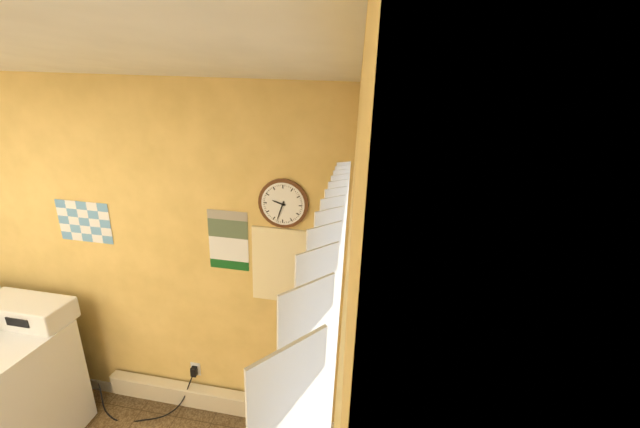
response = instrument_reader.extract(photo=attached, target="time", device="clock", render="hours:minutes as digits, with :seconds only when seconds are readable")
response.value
9:33
